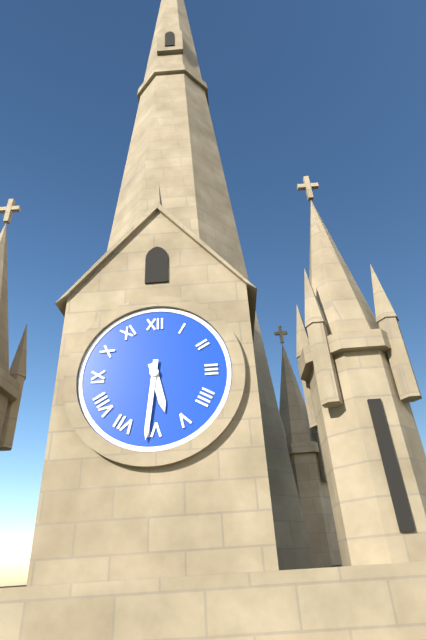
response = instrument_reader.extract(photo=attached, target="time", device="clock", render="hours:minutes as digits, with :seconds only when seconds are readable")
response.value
5:31
